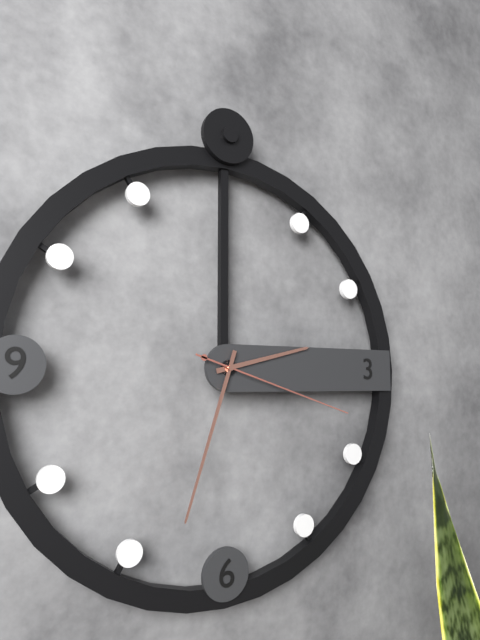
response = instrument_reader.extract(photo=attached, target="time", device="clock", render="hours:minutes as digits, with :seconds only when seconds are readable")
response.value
2:33:18
